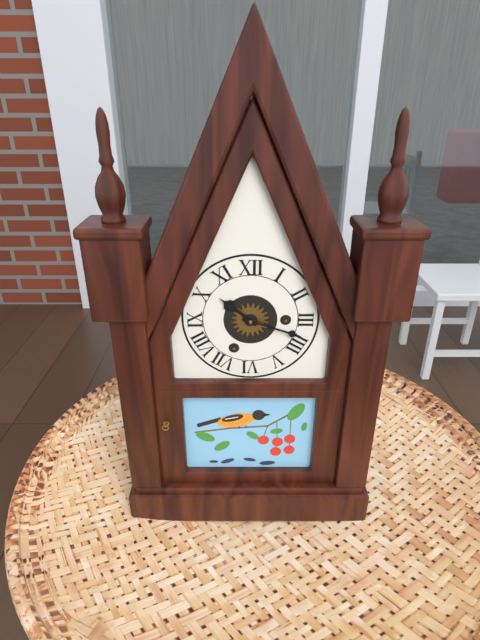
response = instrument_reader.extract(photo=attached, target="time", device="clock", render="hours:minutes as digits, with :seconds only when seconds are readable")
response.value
10:18
